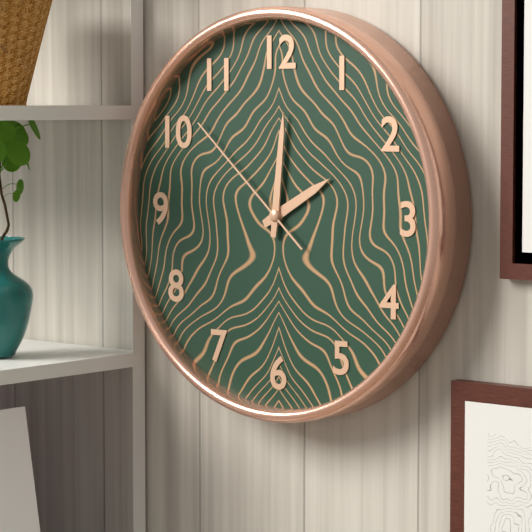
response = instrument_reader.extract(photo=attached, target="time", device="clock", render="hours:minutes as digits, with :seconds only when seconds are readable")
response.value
2:01:52
